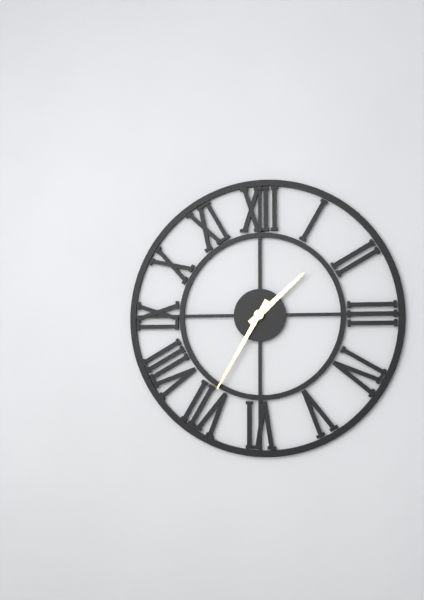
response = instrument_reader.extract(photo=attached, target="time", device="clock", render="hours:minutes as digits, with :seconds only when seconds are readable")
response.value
1:35
